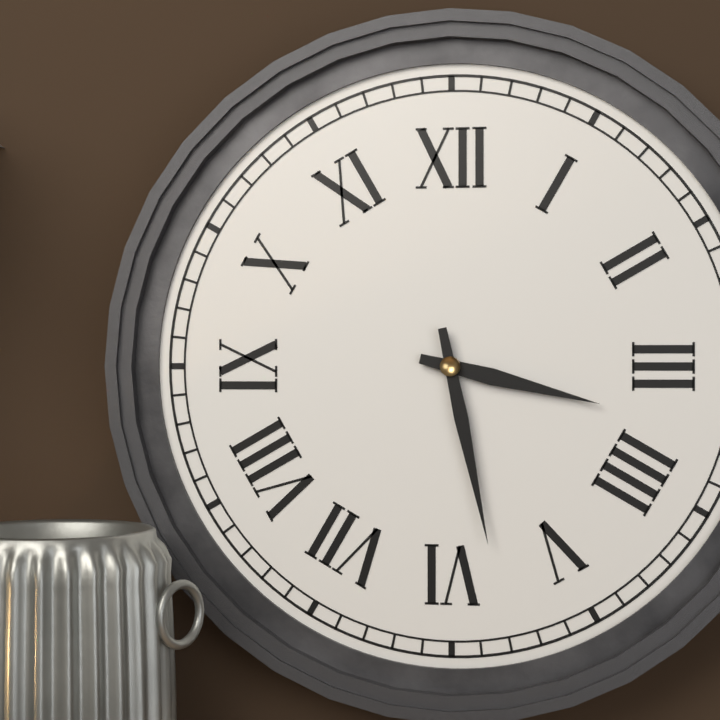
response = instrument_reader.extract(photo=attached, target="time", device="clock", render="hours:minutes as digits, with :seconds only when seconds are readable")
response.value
3:28
